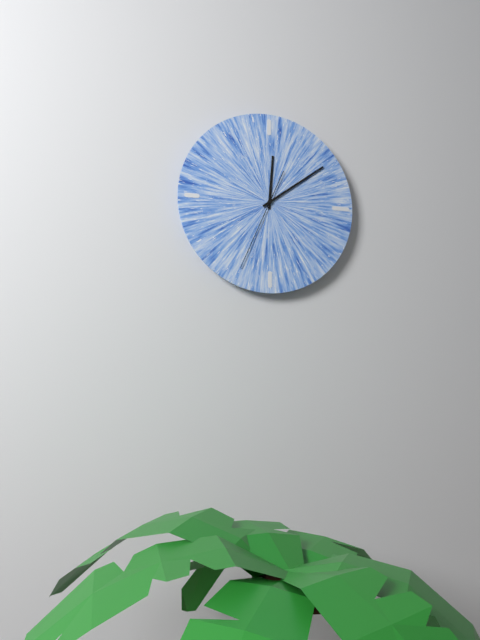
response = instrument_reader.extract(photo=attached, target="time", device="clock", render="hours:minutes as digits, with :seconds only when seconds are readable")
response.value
12:09:34
